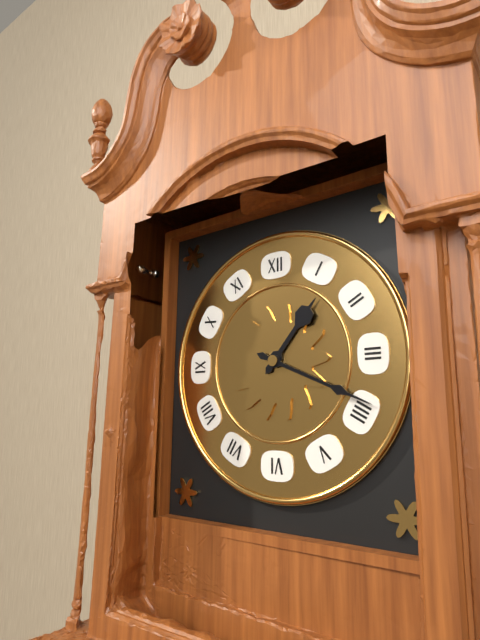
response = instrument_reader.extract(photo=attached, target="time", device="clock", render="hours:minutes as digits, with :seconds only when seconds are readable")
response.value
1:19
